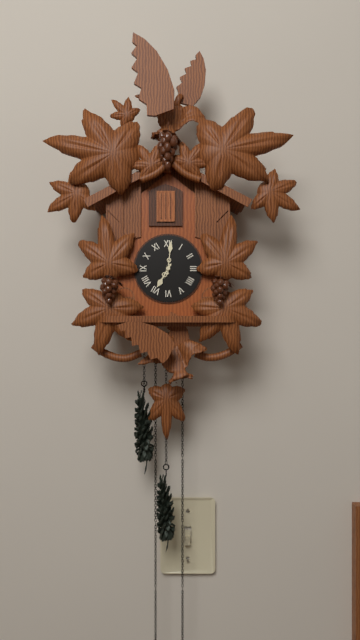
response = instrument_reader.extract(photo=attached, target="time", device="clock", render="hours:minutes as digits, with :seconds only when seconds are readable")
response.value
7:01
